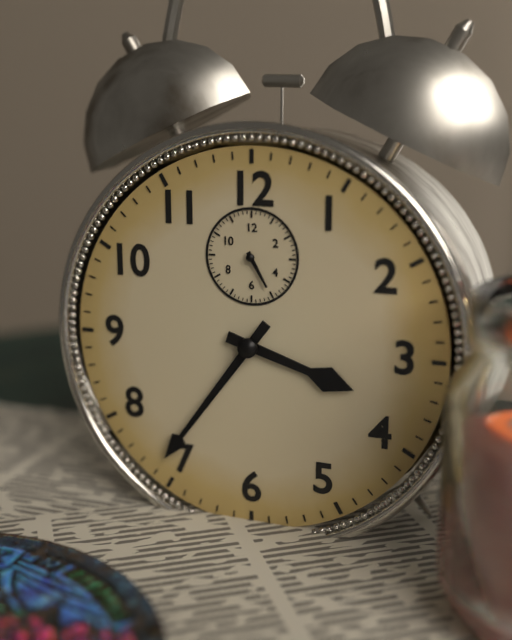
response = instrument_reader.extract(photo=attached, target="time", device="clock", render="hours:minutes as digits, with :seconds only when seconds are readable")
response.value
3:36
